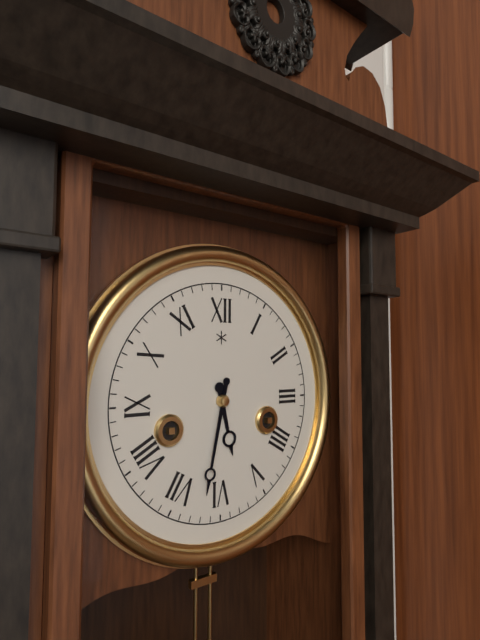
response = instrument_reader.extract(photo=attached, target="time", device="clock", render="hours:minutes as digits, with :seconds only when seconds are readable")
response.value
5:32
